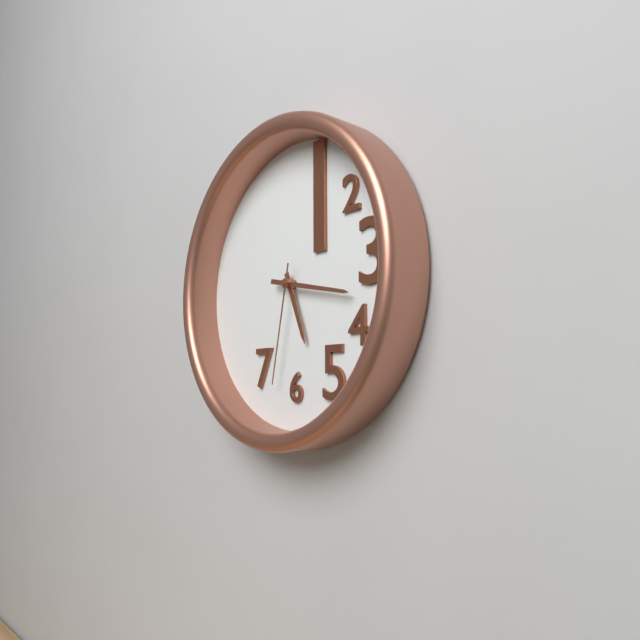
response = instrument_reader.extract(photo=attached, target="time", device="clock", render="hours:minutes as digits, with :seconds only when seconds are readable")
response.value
5:17:32
